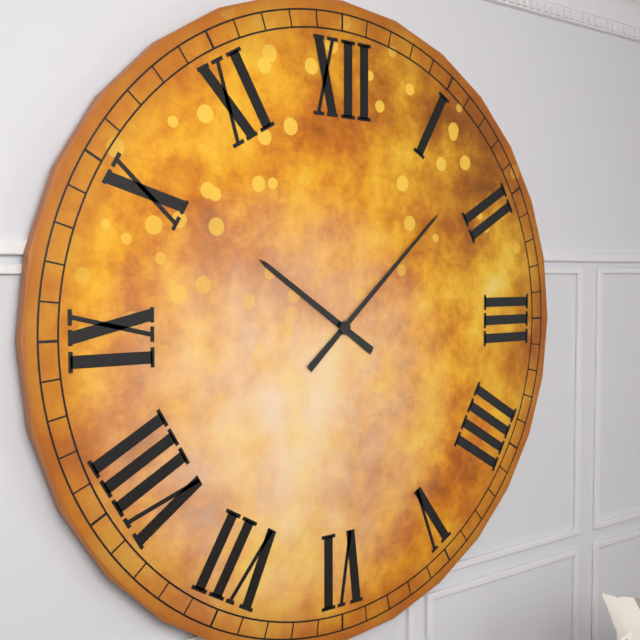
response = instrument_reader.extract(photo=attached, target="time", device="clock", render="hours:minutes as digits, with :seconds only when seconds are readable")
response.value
10:08
